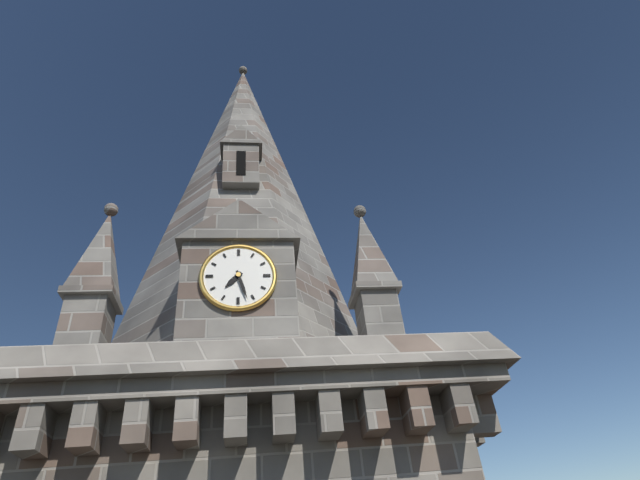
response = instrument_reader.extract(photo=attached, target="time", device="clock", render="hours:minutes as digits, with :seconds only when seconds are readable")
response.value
7:27
